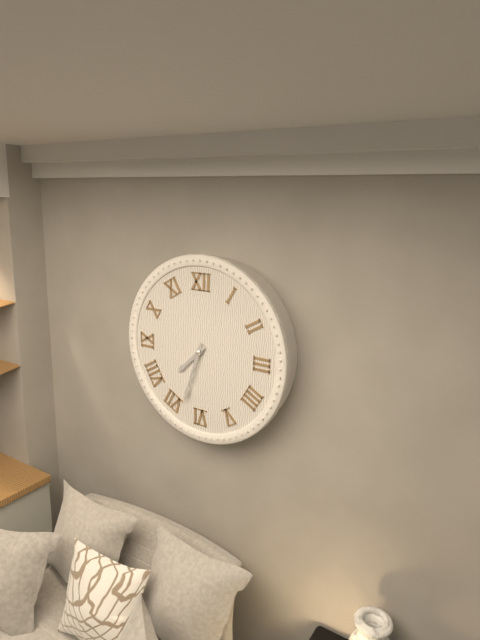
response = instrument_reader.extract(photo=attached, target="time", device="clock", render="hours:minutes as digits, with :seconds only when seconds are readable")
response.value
7:33
